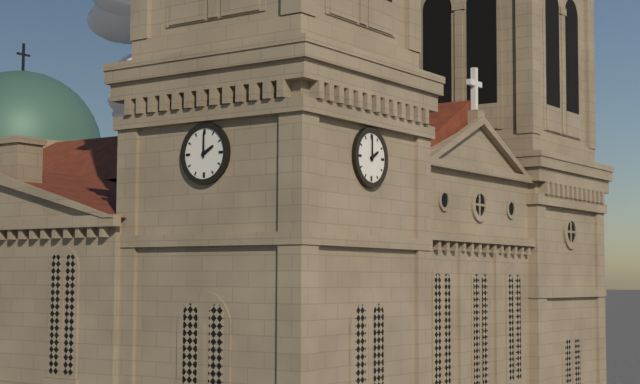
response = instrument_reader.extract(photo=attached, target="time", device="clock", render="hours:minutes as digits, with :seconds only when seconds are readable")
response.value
2:00
